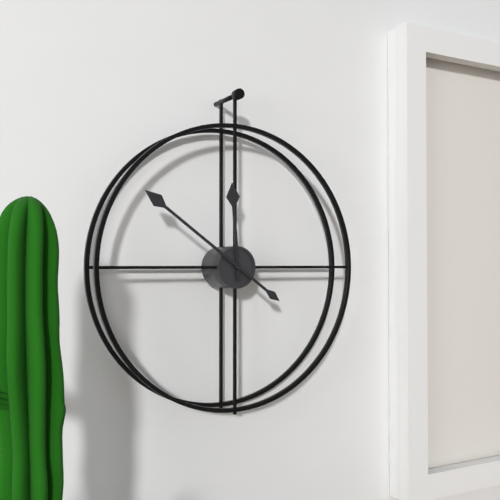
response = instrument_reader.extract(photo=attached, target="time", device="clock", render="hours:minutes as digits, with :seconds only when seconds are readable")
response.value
11:51
